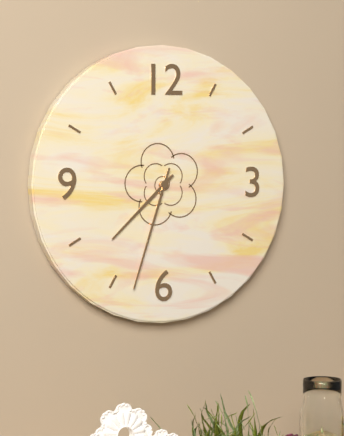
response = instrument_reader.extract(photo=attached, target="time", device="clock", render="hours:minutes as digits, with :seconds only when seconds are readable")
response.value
7:33
